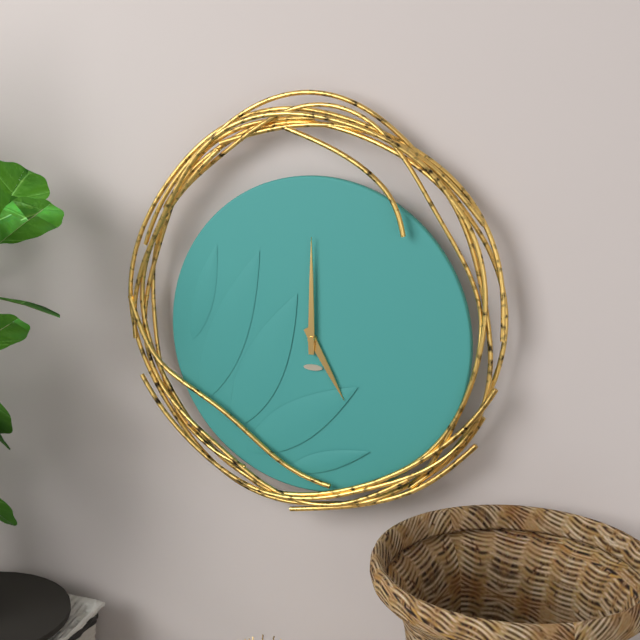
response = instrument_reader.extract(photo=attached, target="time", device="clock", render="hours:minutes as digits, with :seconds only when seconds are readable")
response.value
5:00
